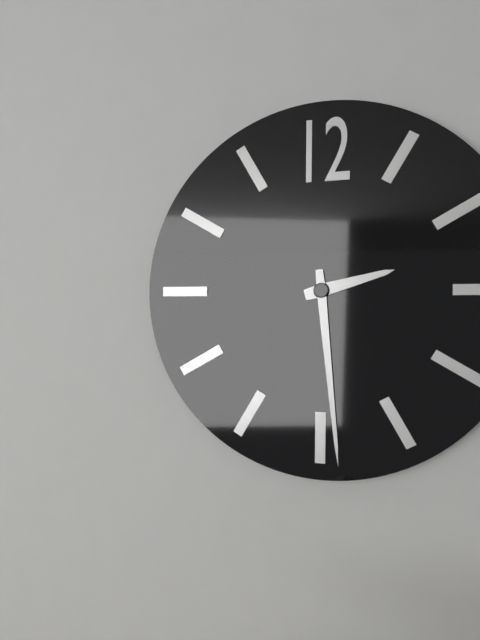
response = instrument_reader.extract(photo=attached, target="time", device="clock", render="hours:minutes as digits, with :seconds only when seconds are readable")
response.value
2:29
